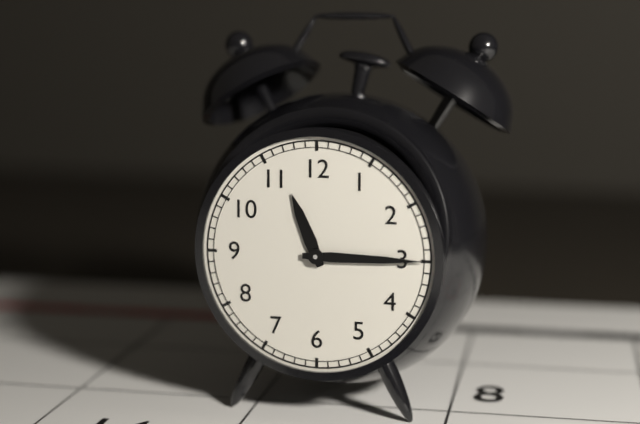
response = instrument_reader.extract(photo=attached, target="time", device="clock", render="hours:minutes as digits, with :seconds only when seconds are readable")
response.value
11:15
